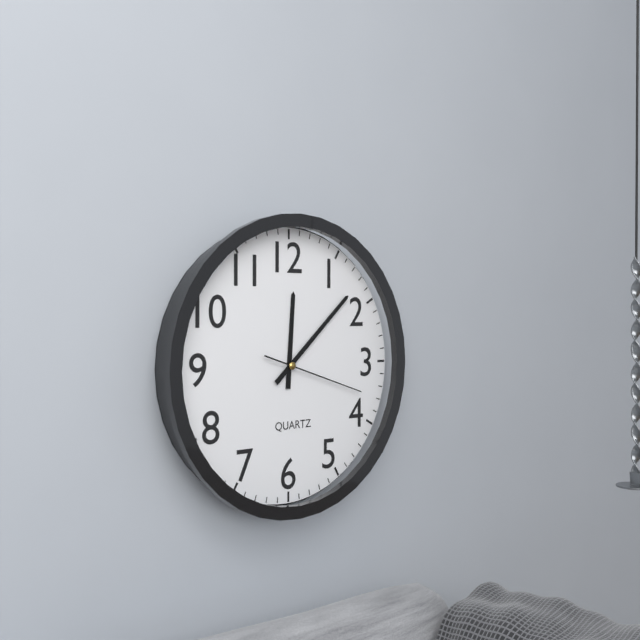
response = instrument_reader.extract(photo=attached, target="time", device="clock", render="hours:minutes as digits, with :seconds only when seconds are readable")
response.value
12:08:18
